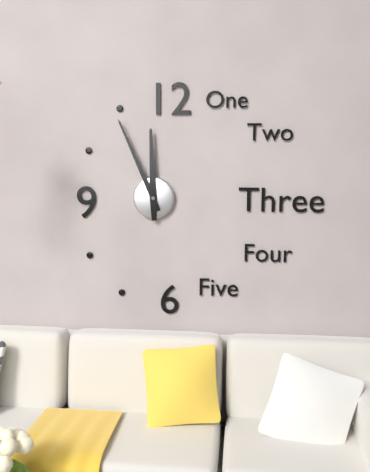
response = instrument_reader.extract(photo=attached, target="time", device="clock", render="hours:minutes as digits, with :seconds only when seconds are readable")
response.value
11:56
